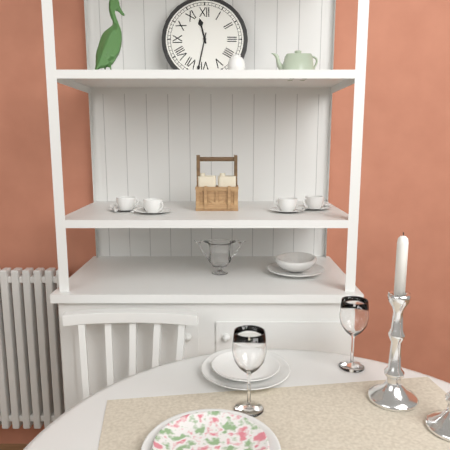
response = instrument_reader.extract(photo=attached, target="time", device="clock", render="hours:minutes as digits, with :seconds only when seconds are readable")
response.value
11:32
